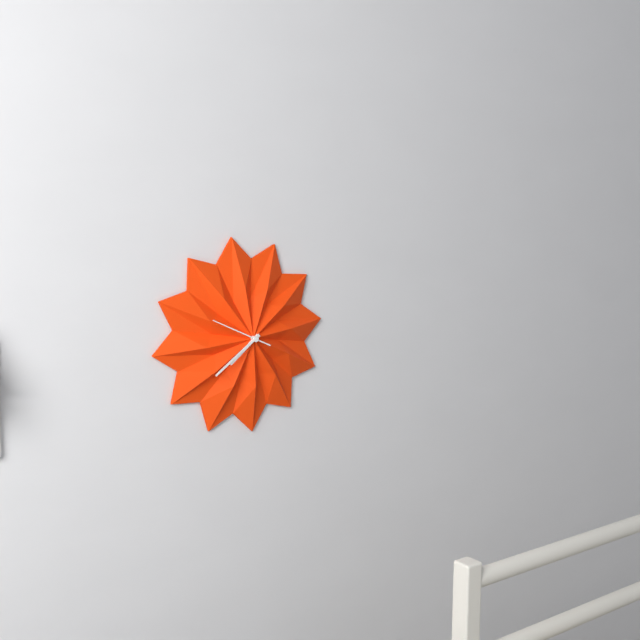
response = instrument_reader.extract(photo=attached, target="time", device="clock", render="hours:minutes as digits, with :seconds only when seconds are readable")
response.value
7:39:49
